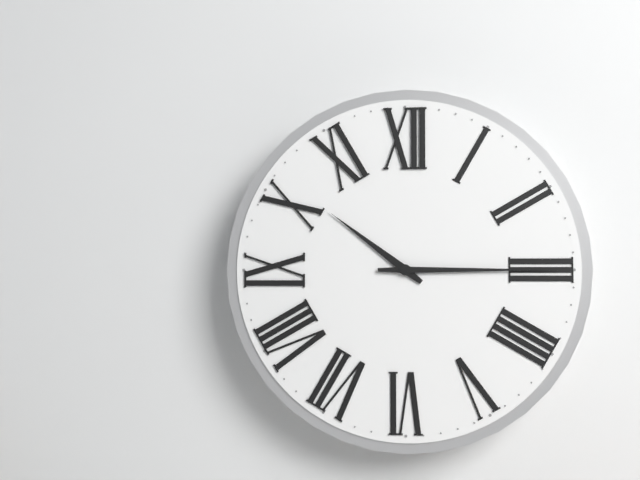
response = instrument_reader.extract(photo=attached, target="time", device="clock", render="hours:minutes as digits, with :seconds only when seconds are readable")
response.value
10:15
